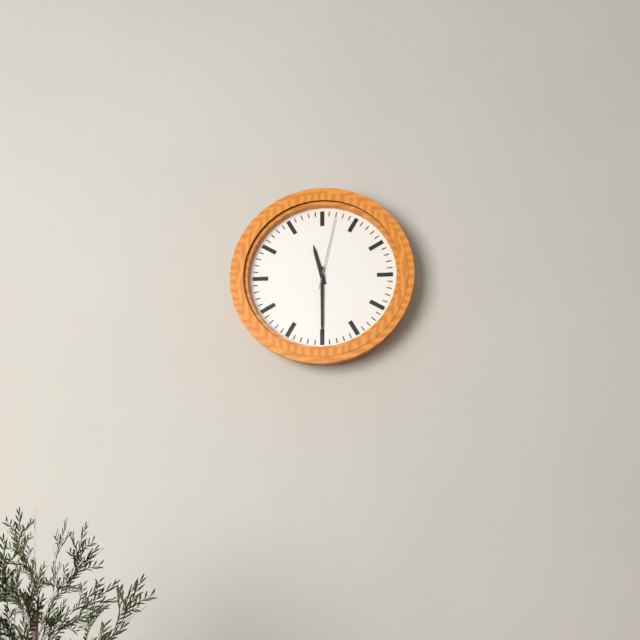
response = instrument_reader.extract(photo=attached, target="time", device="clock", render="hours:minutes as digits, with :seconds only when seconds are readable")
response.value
11:30:02
